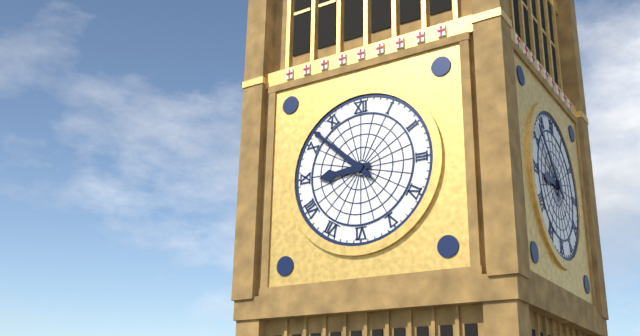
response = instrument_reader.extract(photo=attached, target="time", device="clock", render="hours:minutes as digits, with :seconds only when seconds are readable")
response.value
8:52
